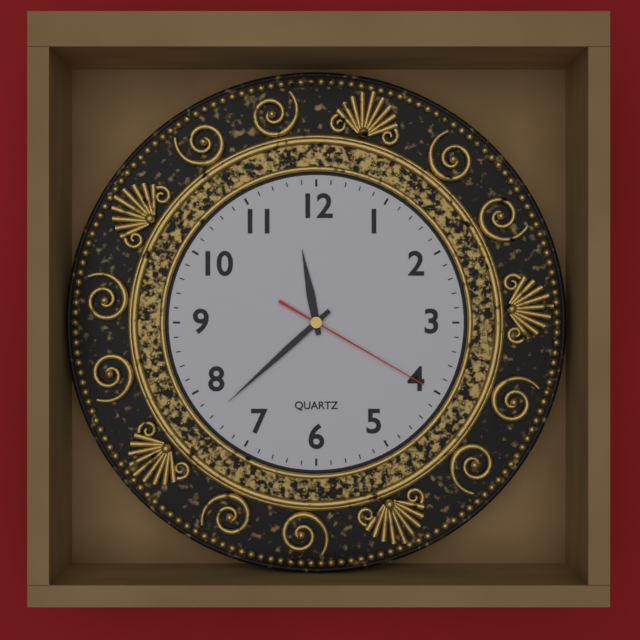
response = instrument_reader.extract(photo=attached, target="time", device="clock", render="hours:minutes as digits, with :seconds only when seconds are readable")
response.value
11:38:20
